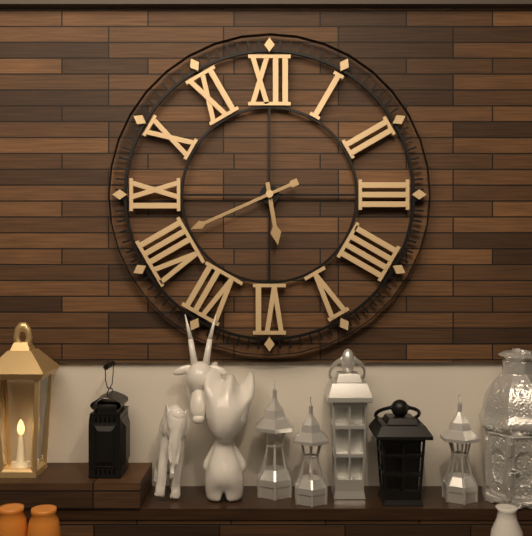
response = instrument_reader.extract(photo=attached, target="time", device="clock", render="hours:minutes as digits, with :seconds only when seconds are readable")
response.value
5:41
